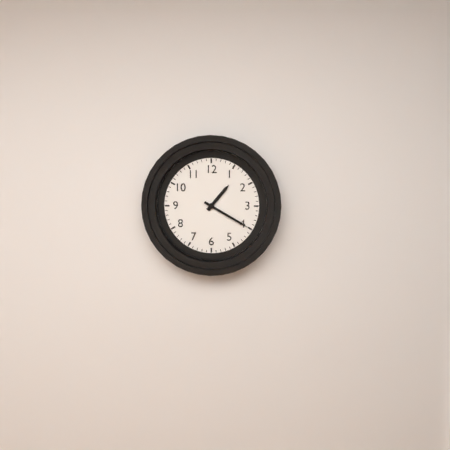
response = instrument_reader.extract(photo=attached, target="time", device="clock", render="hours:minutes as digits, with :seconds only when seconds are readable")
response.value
1:20
